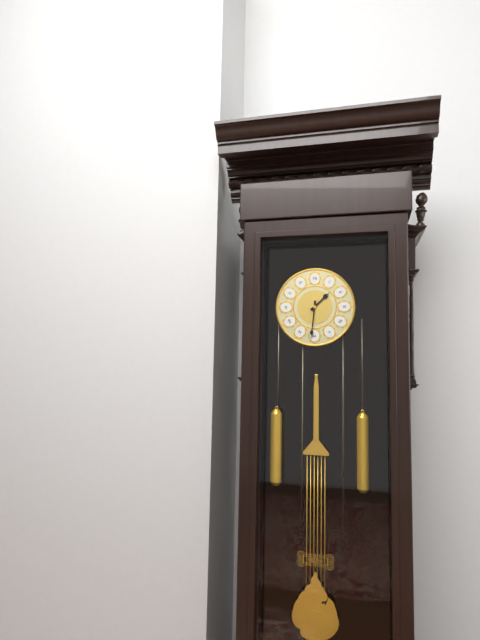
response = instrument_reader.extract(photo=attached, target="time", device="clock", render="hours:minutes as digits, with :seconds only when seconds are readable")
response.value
1:31
